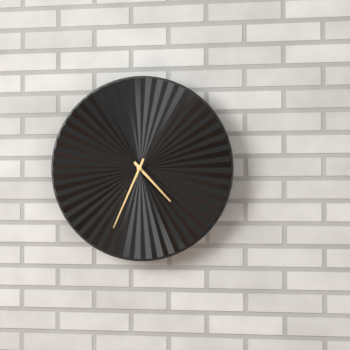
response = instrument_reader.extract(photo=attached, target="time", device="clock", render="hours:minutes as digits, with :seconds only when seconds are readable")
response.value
4:34
